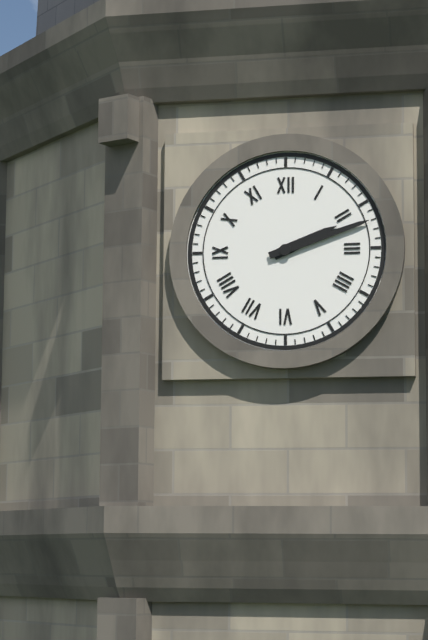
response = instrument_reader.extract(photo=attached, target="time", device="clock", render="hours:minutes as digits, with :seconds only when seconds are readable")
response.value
2:12
